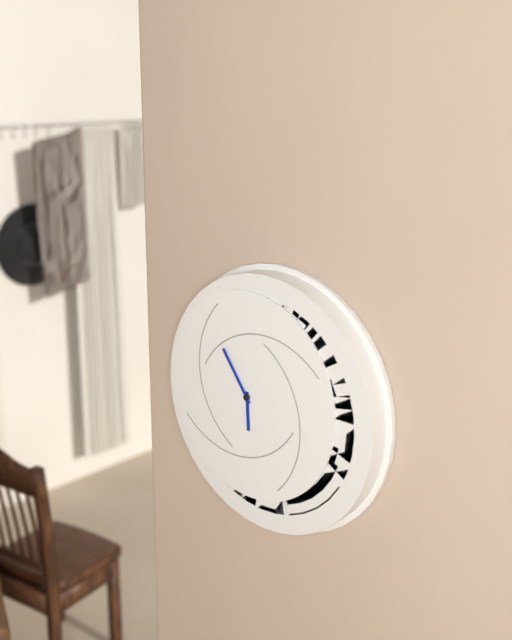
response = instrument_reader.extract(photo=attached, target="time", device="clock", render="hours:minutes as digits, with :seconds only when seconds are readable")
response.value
5:54
